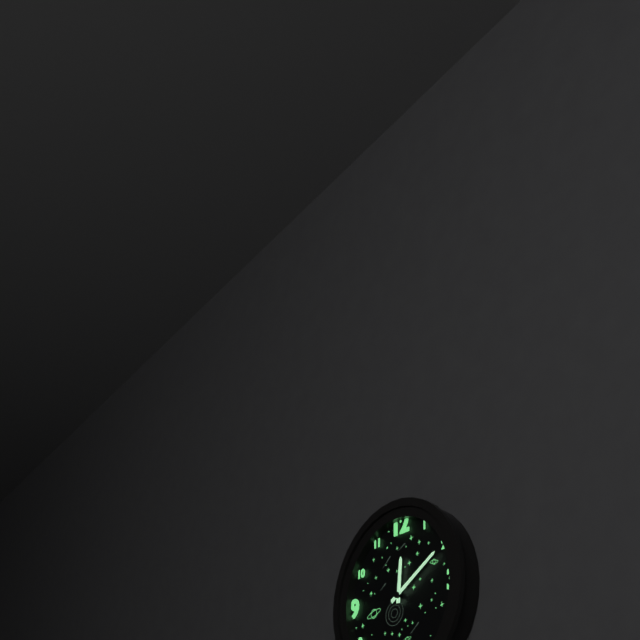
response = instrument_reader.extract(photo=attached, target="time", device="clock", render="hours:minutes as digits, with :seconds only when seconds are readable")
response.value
12:10
